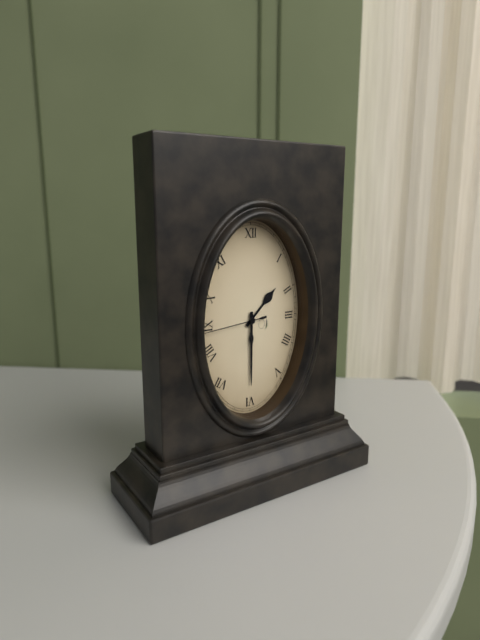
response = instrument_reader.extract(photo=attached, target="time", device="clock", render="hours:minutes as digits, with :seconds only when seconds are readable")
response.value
1:30:44
